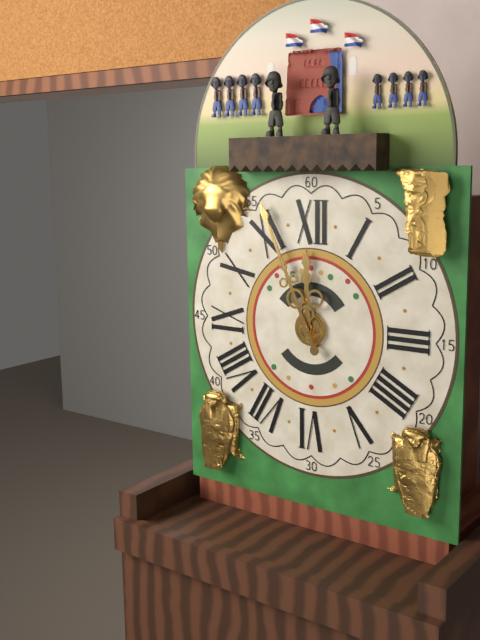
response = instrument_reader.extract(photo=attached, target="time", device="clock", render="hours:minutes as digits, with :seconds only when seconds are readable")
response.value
11:56
